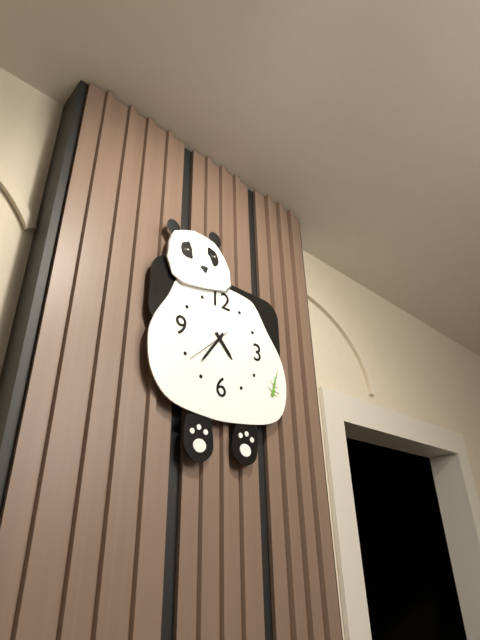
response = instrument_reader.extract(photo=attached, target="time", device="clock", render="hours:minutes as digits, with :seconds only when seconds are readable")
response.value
4:36
